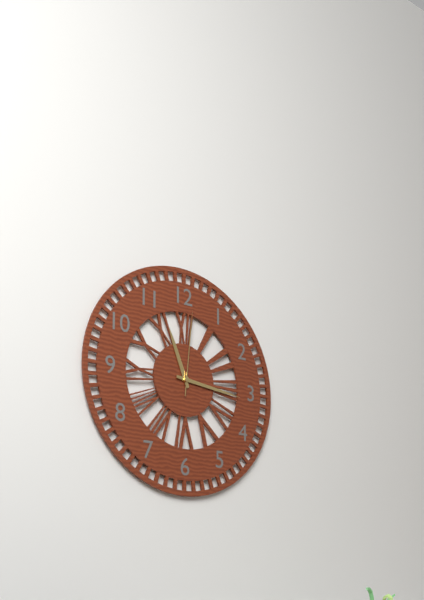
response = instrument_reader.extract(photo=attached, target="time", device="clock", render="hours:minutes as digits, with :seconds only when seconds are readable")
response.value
11:16:01
